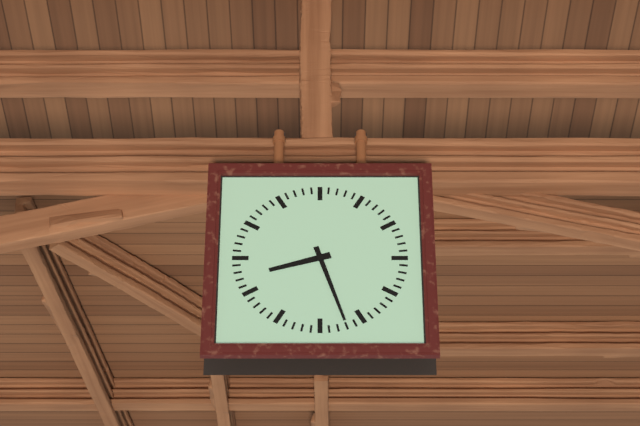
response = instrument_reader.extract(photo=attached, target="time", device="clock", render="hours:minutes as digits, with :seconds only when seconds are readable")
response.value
8:27
